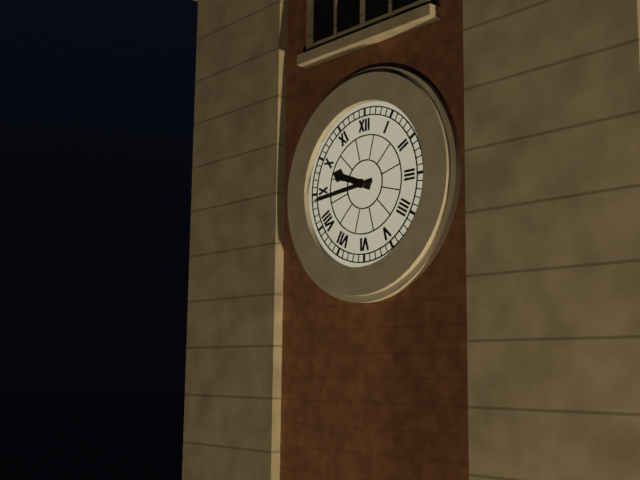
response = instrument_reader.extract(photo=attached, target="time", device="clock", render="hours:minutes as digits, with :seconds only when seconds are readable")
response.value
9:44
